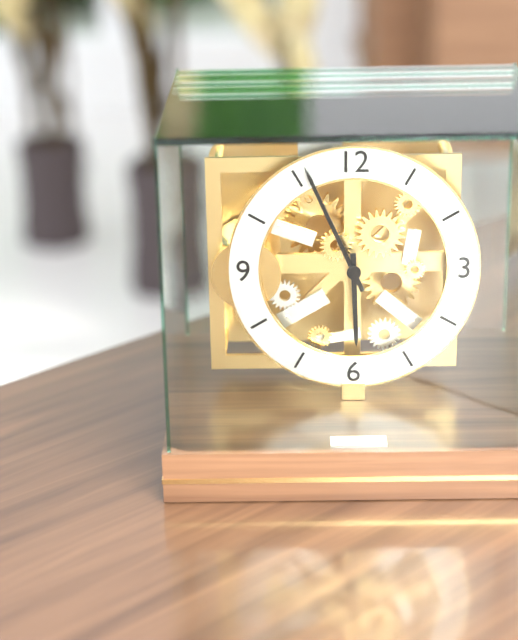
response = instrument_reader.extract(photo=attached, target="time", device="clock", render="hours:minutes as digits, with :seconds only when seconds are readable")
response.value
5:56
